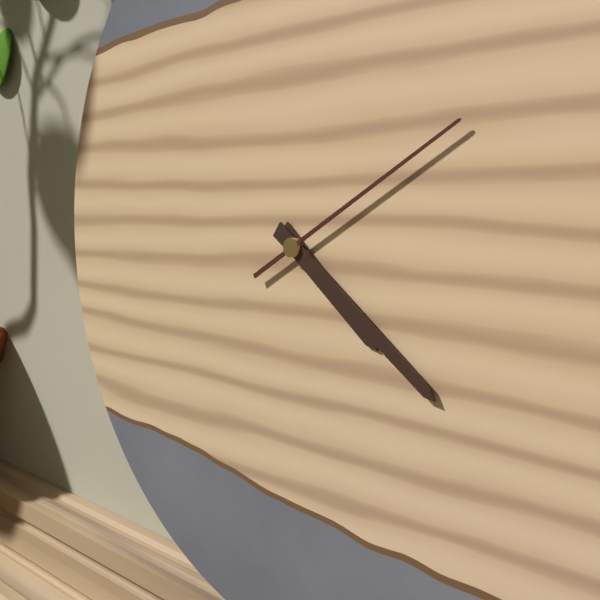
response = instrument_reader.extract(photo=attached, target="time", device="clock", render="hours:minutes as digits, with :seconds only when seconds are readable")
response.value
4:21:10
